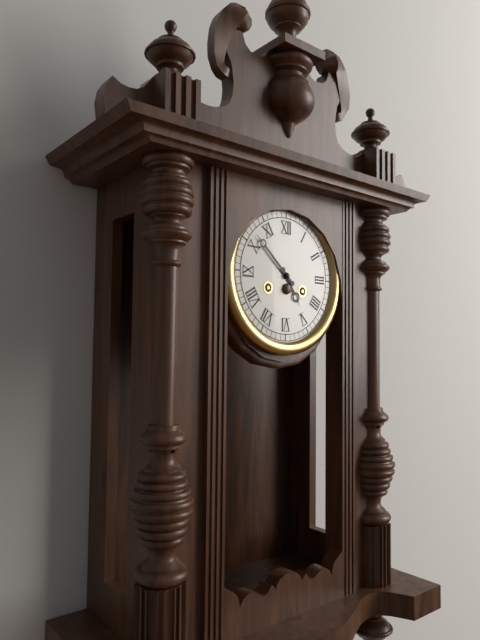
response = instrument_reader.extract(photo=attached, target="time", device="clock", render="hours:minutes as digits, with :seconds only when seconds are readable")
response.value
4:52
